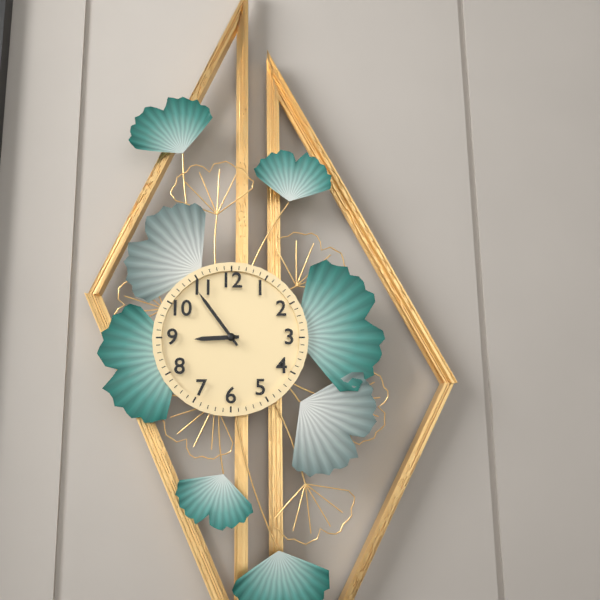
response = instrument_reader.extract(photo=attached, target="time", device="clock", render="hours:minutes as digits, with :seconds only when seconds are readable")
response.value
8:54
